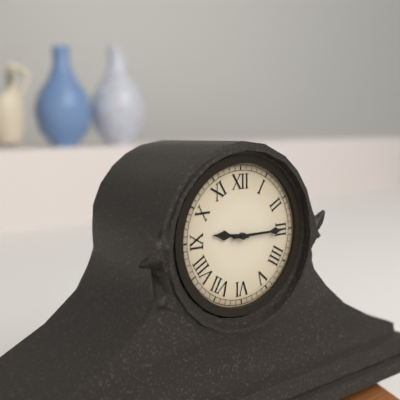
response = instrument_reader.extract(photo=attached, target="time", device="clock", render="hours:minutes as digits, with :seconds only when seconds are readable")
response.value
9:15
